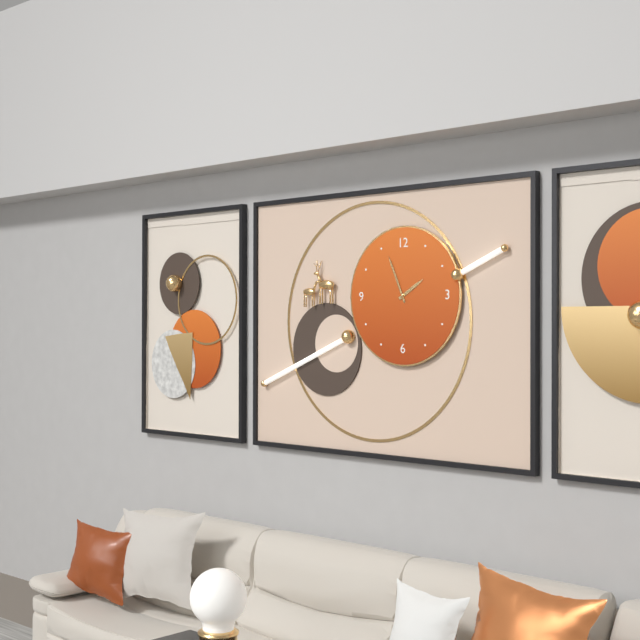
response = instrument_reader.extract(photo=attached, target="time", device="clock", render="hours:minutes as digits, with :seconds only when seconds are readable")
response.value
1:56
